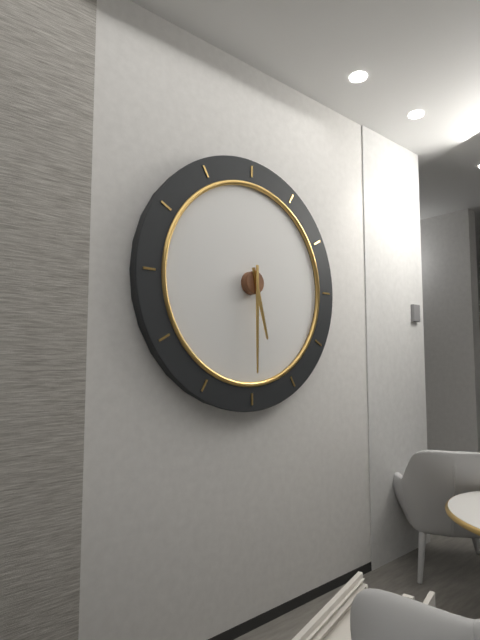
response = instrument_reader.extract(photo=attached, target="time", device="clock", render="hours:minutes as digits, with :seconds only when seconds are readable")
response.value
5:30
